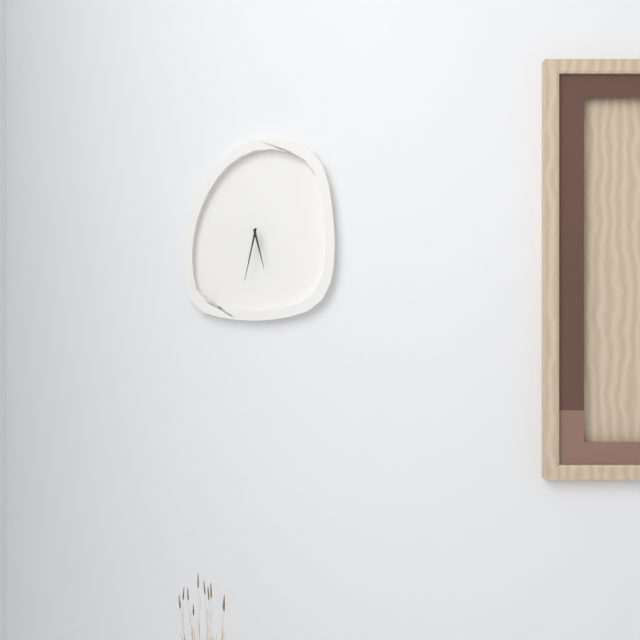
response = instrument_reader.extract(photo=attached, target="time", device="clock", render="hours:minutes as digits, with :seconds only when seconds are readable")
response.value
5:32
